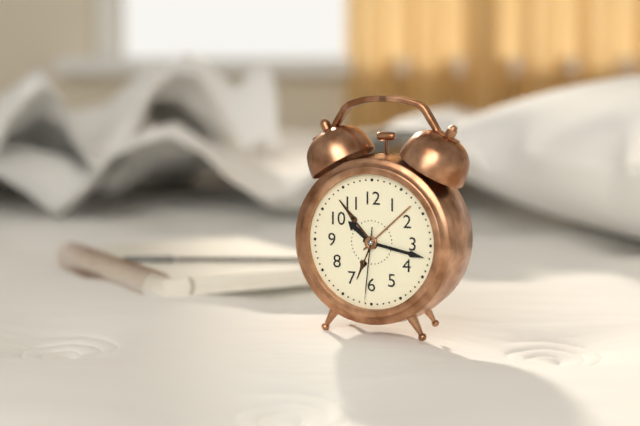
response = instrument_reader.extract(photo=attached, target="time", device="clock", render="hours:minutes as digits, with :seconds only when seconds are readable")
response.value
10:17:31
